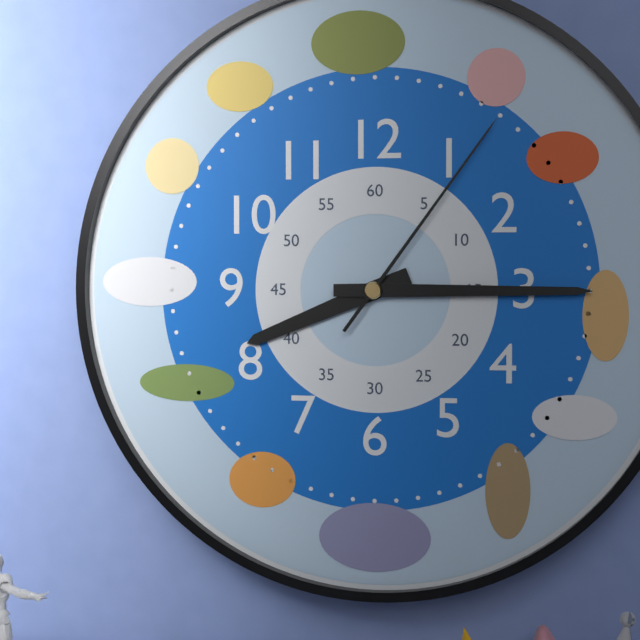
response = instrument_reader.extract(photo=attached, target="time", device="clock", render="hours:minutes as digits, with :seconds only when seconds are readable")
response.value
8:15:06
